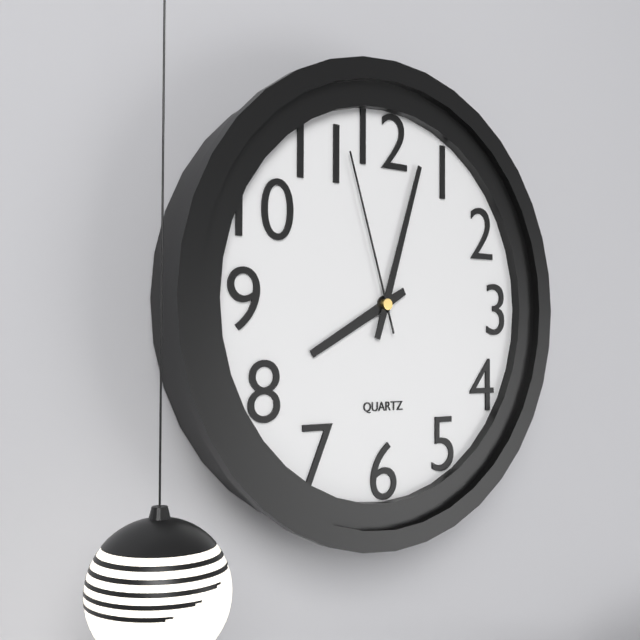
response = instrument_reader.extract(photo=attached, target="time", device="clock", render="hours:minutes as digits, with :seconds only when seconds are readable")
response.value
8:03:57
